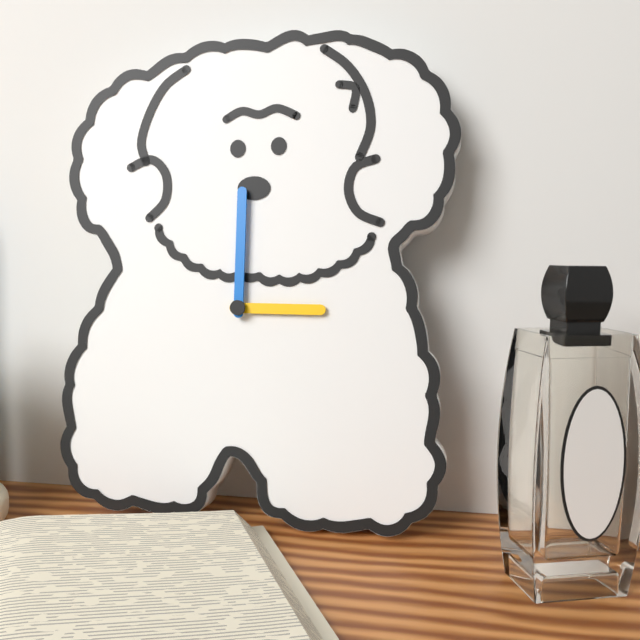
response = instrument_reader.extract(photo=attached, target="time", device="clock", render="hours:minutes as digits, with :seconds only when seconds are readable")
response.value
3:00
